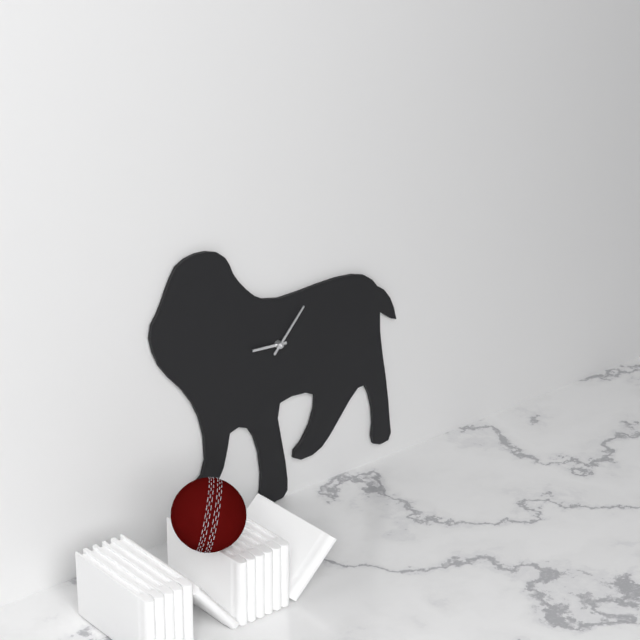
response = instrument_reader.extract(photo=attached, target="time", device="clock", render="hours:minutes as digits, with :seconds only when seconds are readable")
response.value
9:07
